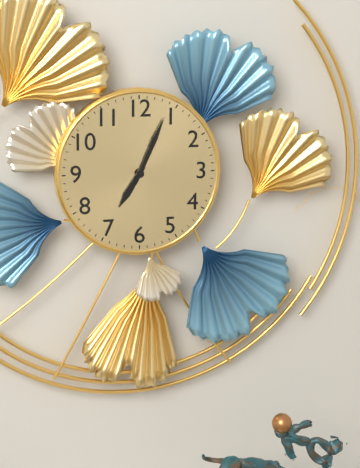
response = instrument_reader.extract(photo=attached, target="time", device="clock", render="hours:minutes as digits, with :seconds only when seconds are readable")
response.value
7:04
